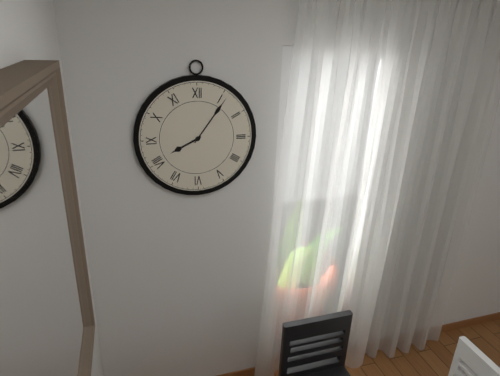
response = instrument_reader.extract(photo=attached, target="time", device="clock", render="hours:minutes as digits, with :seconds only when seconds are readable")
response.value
8:06
